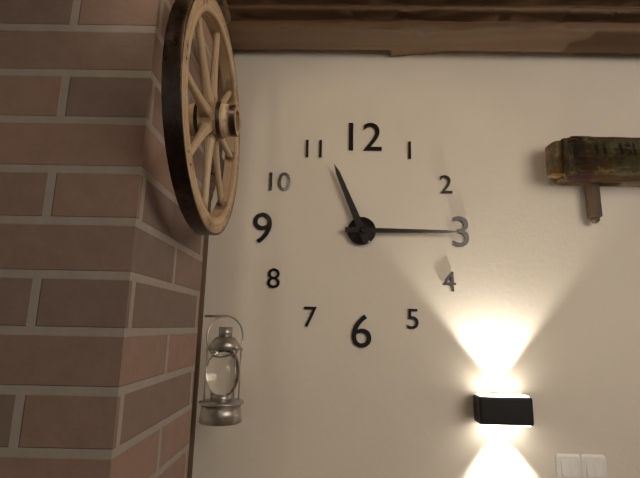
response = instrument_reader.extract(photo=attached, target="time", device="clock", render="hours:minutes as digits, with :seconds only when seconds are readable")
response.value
11:15
